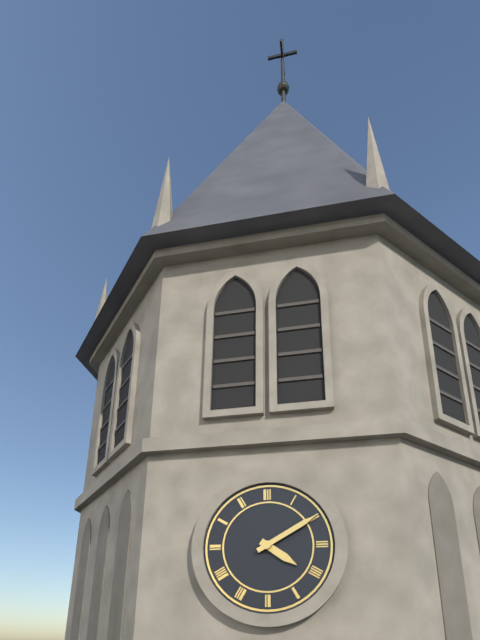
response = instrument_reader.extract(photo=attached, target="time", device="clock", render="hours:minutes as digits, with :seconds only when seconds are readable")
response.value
4:10
